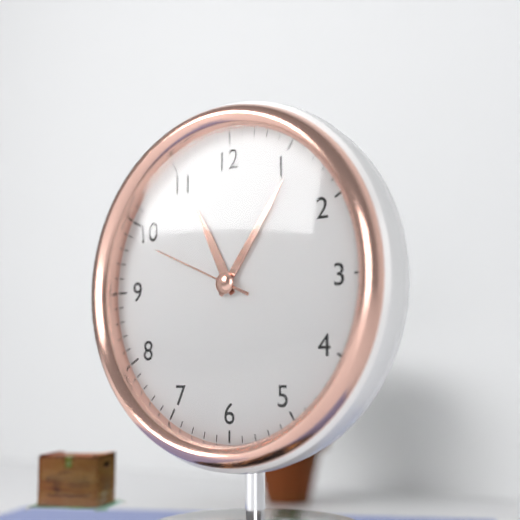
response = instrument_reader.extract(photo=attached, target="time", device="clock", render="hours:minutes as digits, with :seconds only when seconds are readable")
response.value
11:06:49
